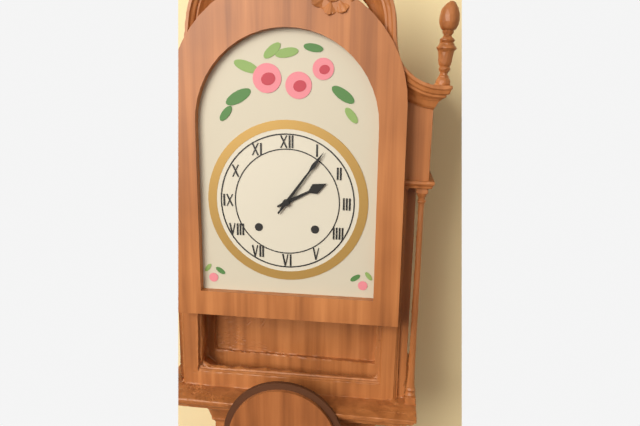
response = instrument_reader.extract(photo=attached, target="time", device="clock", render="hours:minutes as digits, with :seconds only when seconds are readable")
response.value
2:06
